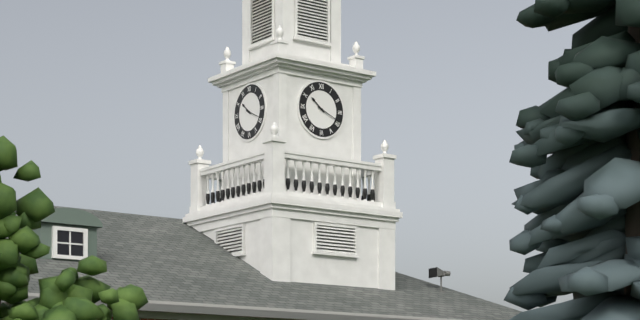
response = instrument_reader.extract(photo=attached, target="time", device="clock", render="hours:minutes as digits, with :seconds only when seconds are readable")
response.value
10:19
